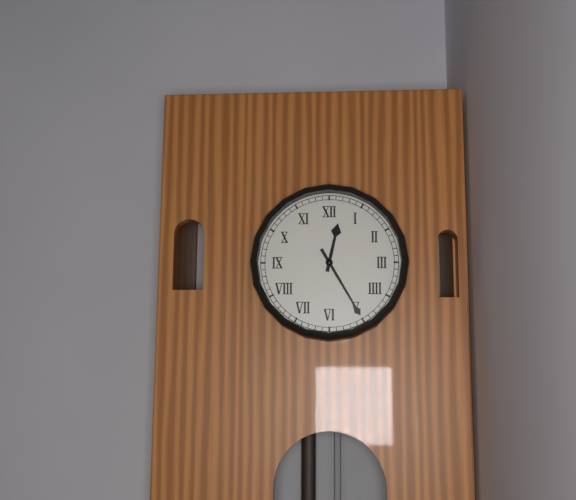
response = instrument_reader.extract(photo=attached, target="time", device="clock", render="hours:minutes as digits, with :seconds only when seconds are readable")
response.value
12:25
